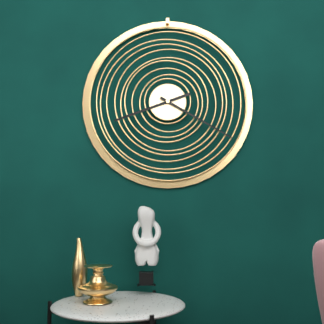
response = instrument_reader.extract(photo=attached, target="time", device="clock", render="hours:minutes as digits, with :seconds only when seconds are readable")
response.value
8:20
